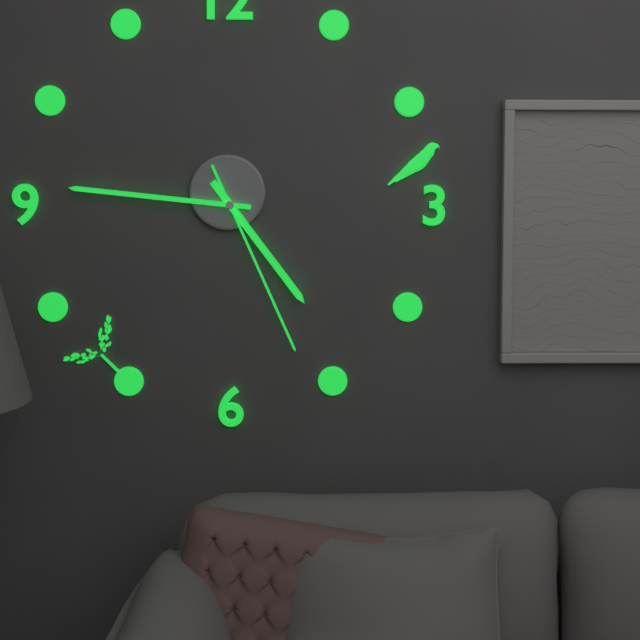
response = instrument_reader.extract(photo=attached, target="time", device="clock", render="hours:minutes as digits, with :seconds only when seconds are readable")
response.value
4:46:26
